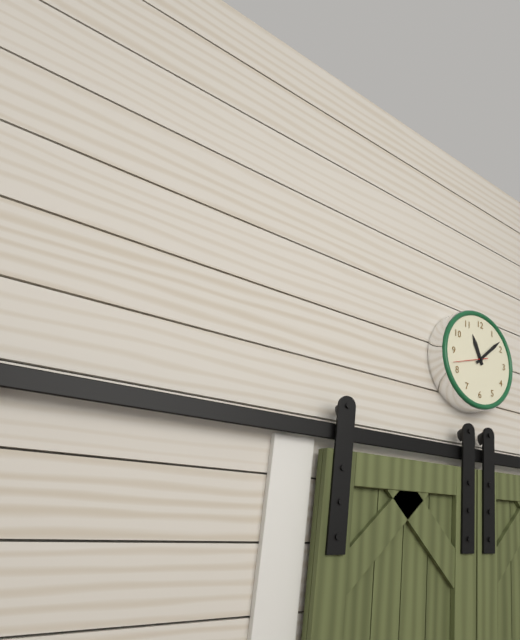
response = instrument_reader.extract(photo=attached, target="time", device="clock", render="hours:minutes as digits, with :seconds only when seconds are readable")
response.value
11:08
